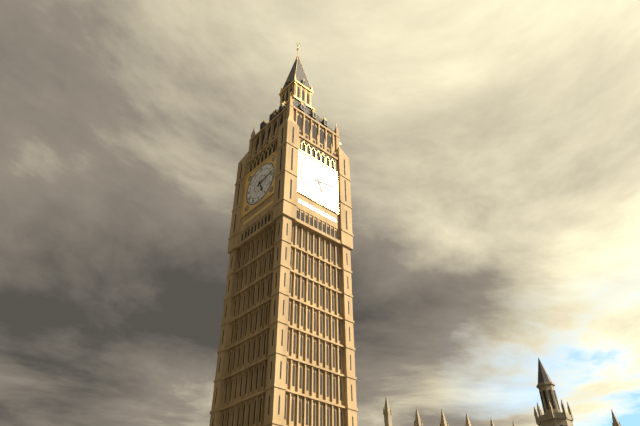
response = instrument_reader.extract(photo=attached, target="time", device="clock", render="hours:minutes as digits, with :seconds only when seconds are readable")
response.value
5:13
